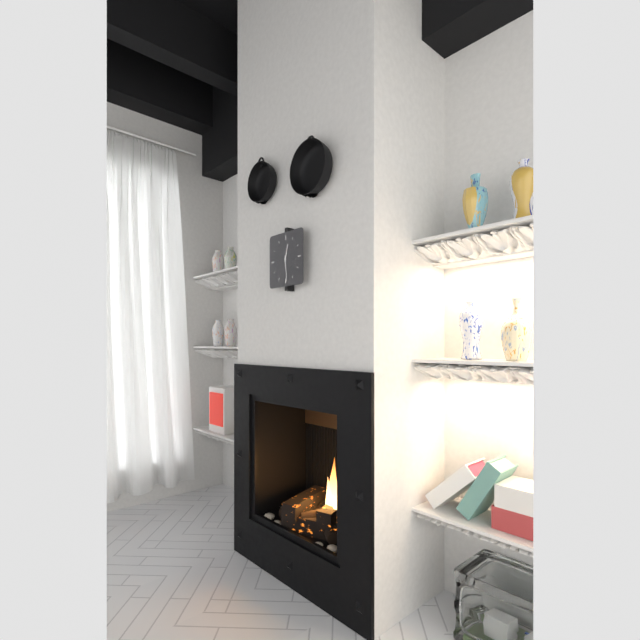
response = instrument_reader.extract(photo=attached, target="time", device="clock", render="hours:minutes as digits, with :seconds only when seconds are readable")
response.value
12:29
